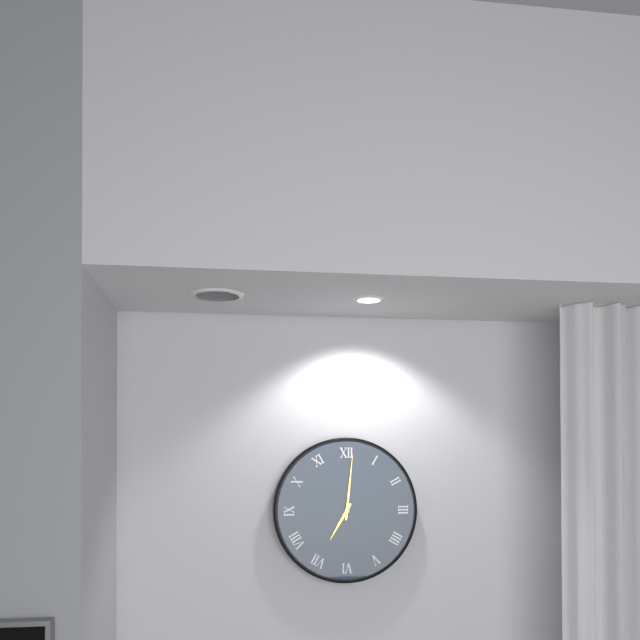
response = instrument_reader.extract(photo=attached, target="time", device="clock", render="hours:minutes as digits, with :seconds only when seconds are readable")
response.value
7:01
